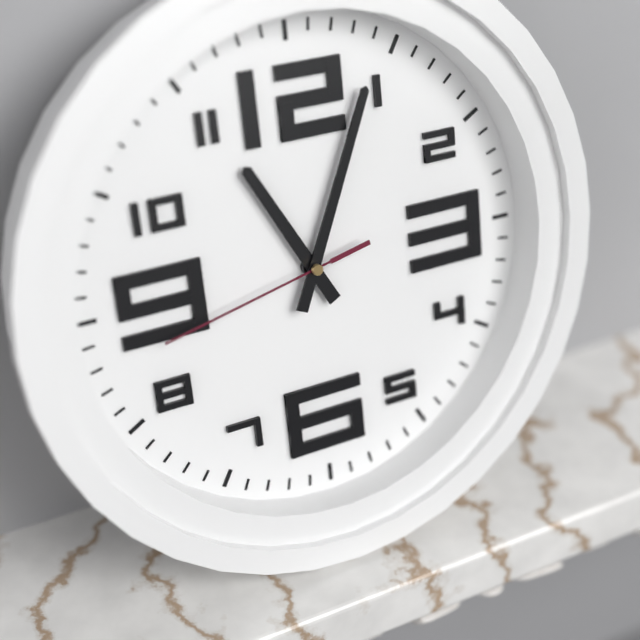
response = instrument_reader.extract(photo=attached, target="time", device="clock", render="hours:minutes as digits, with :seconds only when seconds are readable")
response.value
11:04:43
